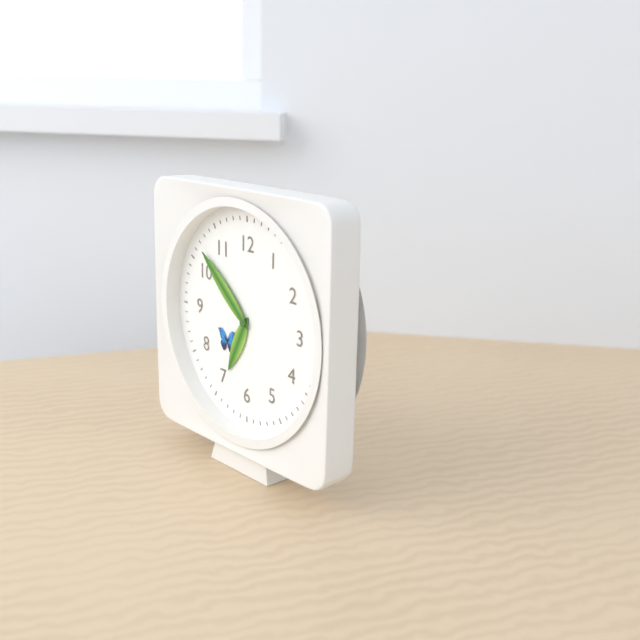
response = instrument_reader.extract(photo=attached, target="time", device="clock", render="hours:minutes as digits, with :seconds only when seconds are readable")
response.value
6:52
